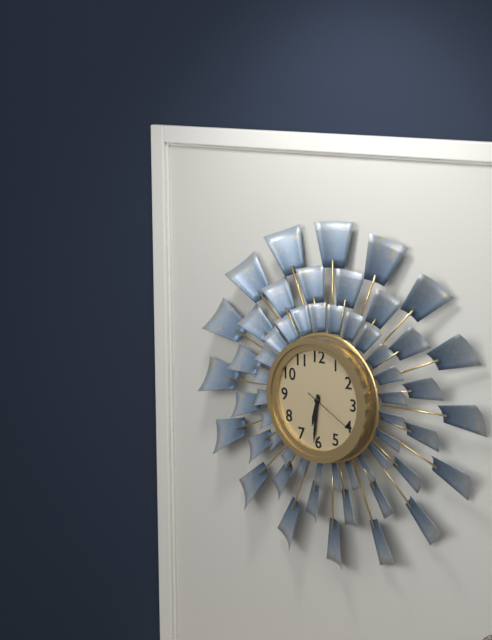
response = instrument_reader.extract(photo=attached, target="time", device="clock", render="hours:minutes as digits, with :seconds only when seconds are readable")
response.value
6:31:20
